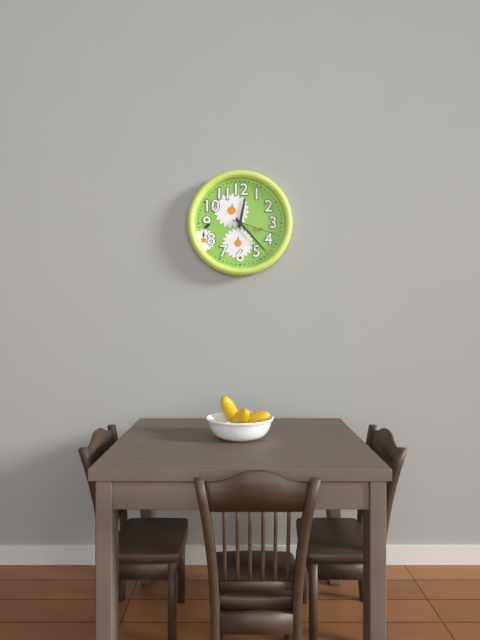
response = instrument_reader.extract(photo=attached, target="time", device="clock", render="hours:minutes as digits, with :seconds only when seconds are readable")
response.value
12:23:18
